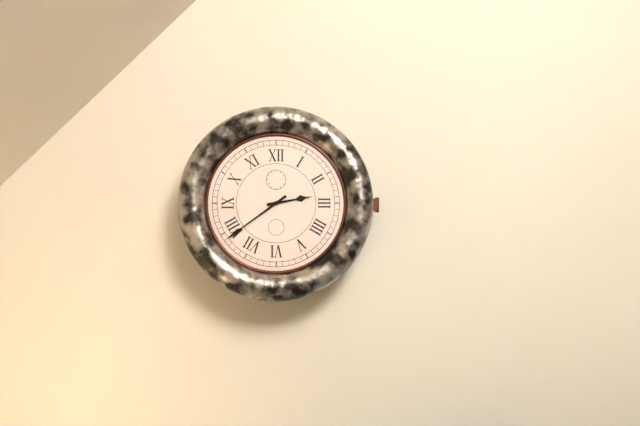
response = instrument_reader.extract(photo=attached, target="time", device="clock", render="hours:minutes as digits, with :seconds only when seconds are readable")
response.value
2:39
